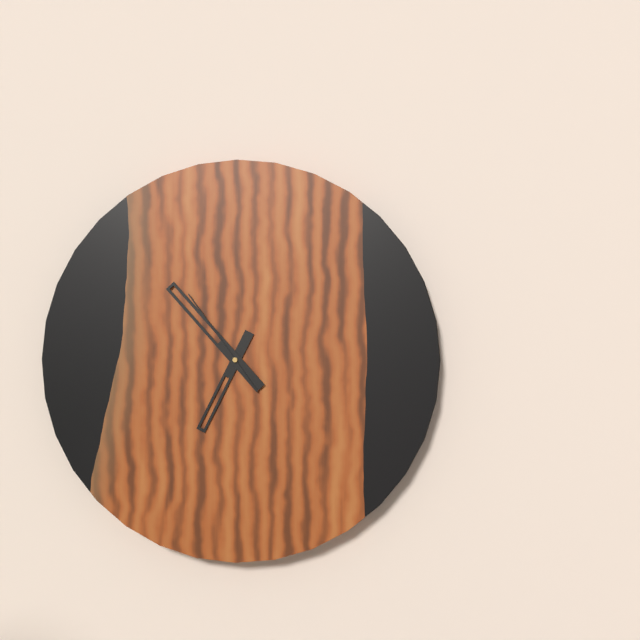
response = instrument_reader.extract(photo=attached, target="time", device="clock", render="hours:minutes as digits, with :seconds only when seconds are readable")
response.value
6:53:54
